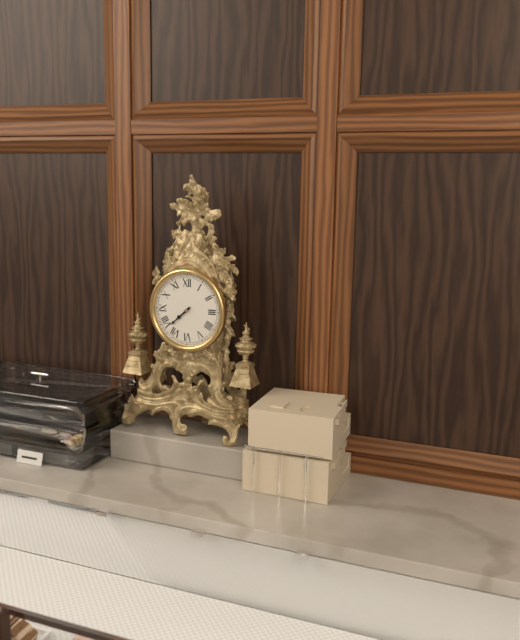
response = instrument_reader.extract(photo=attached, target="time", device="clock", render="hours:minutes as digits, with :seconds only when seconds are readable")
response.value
7:38
